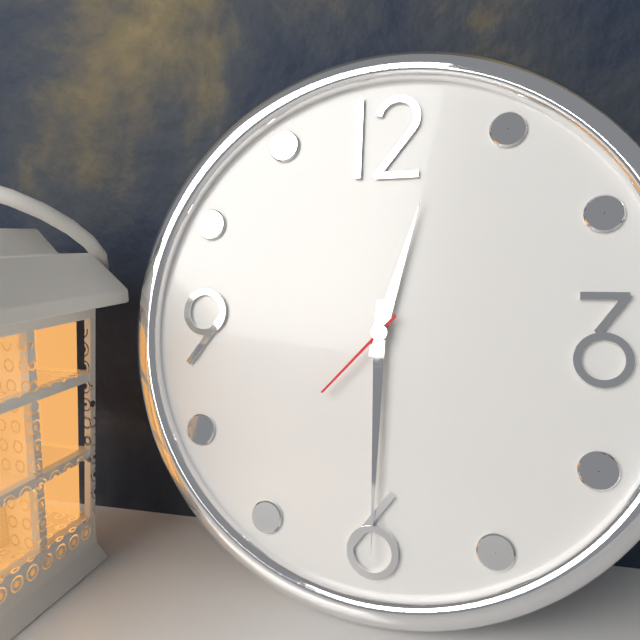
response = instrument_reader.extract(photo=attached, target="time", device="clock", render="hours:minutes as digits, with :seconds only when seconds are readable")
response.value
12:30:37
